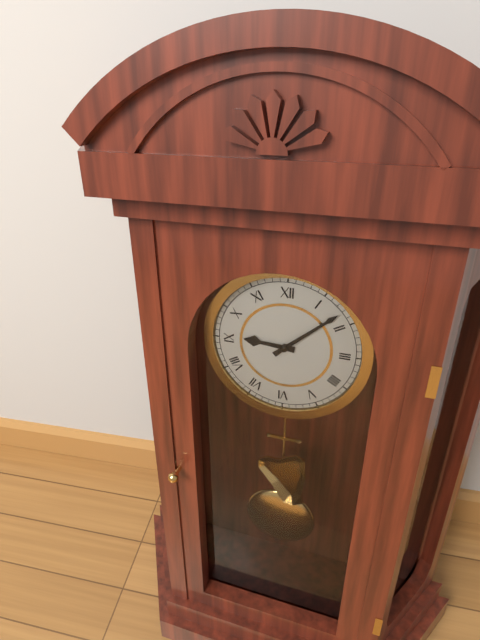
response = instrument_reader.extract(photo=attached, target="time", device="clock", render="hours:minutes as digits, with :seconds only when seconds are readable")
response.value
9:08
